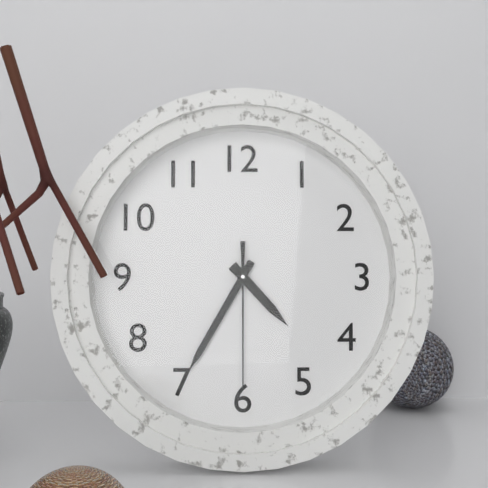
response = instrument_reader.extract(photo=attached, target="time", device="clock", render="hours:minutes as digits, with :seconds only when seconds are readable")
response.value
4:35:30
